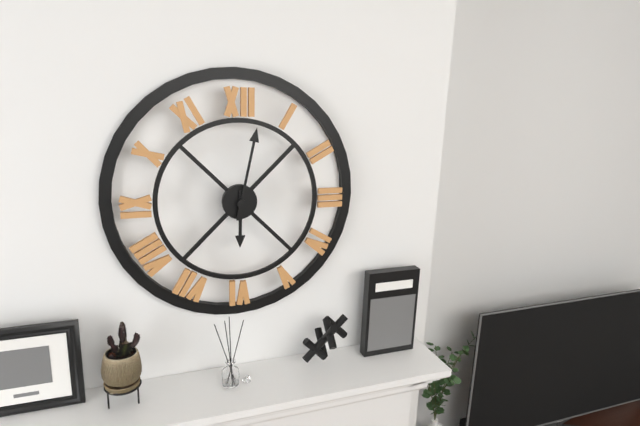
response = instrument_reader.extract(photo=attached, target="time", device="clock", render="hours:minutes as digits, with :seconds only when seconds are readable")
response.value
6:02
